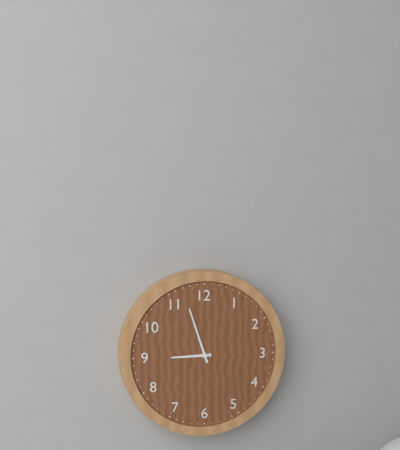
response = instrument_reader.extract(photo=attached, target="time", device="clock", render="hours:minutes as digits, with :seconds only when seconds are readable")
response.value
8:57
